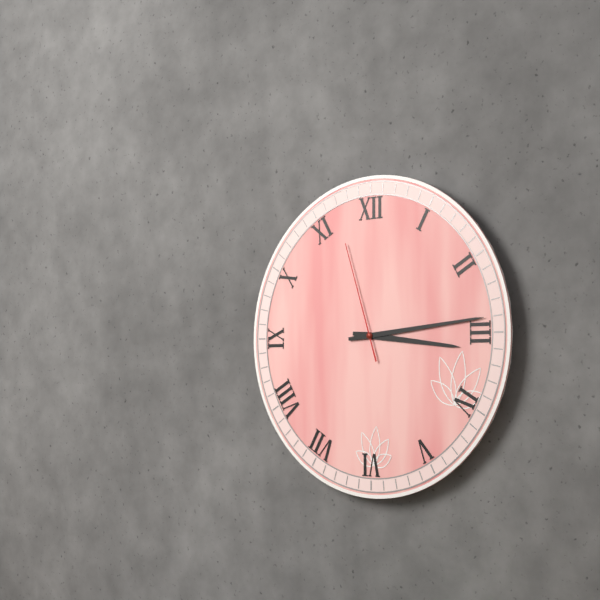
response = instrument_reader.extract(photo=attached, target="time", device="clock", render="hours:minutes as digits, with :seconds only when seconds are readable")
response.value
3:14:57
